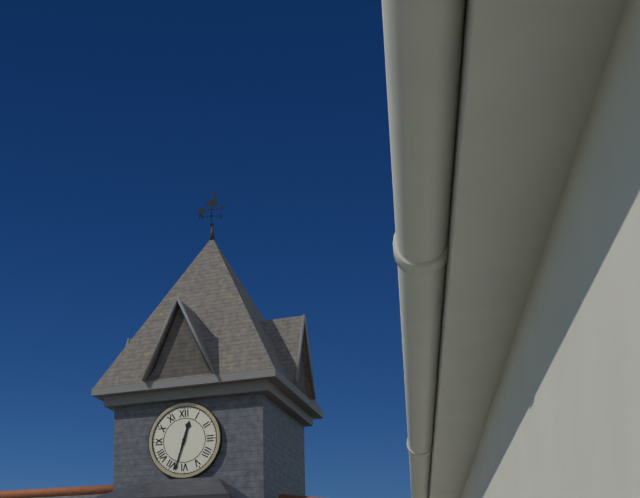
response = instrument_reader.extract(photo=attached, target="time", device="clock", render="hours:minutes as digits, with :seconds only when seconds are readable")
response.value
12:33
